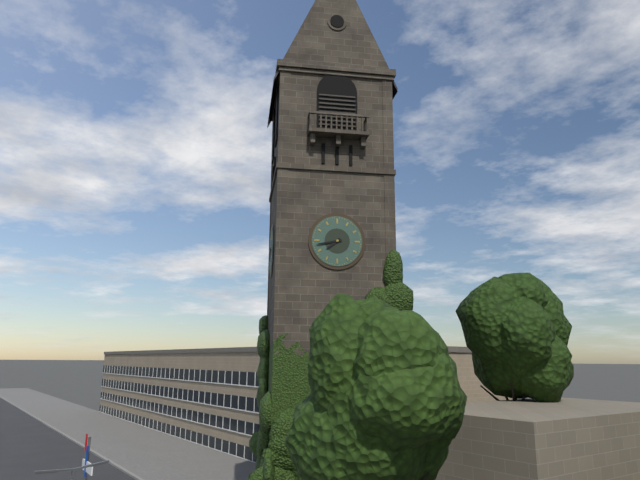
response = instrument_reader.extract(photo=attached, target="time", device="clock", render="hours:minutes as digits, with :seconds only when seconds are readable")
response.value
7:43
